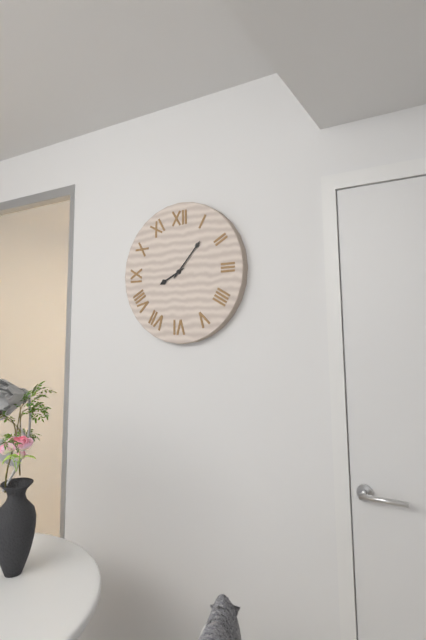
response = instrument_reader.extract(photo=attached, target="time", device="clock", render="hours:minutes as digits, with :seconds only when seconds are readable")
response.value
8:07
